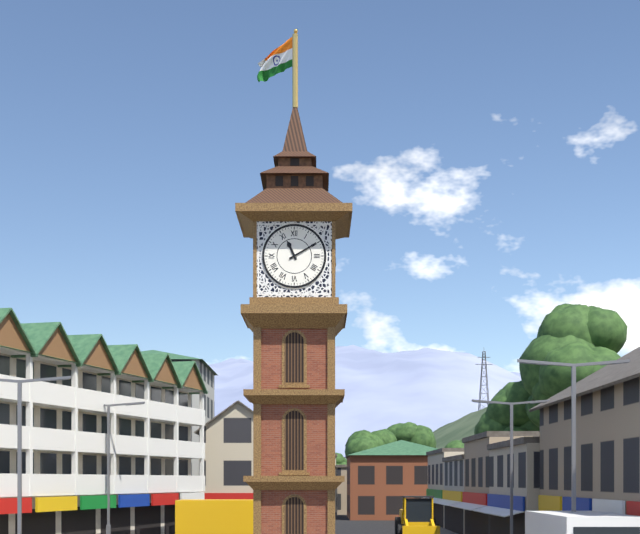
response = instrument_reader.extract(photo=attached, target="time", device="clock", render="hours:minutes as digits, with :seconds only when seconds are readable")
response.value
11:10
